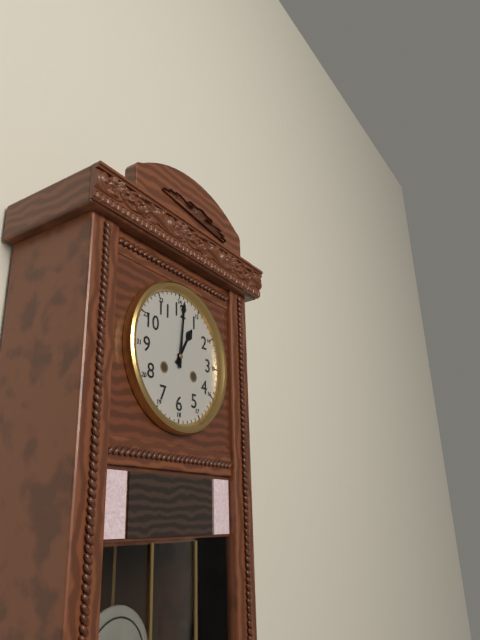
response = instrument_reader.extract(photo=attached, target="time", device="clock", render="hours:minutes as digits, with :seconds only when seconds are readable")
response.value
1:01
